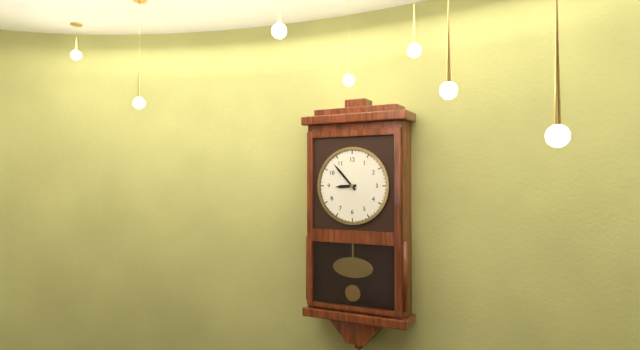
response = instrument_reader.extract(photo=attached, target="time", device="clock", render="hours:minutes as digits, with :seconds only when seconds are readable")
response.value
8:53
